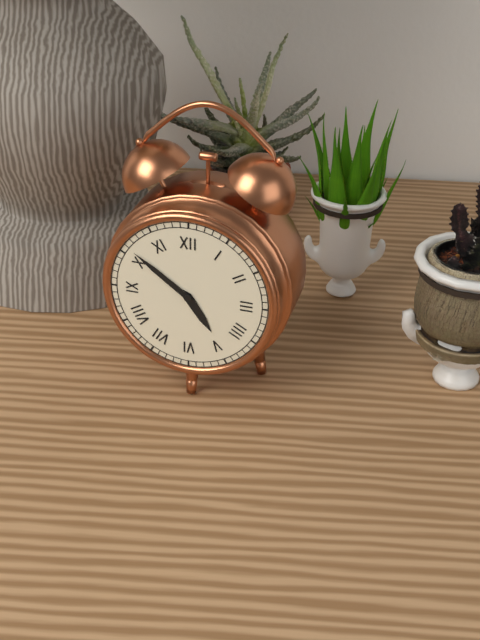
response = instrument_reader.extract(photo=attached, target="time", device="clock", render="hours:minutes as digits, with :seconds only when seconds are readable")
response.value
4:51
